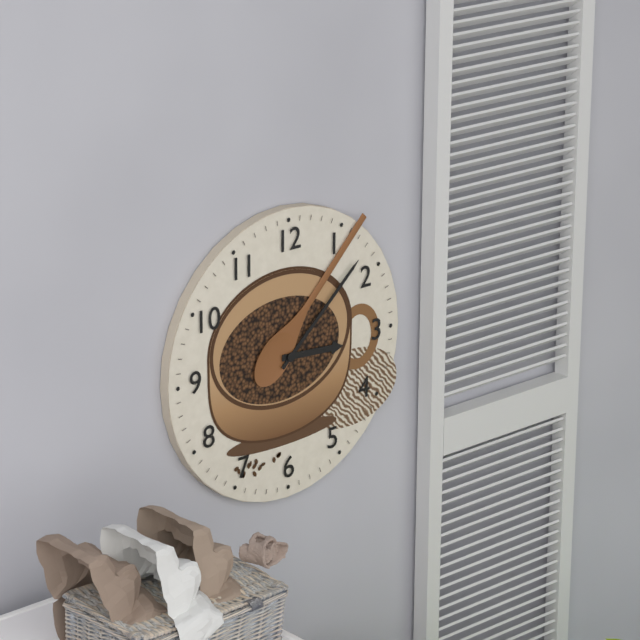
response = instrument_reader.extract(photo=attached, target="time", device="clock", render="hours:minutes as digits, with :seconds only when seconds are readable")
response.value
3:08
